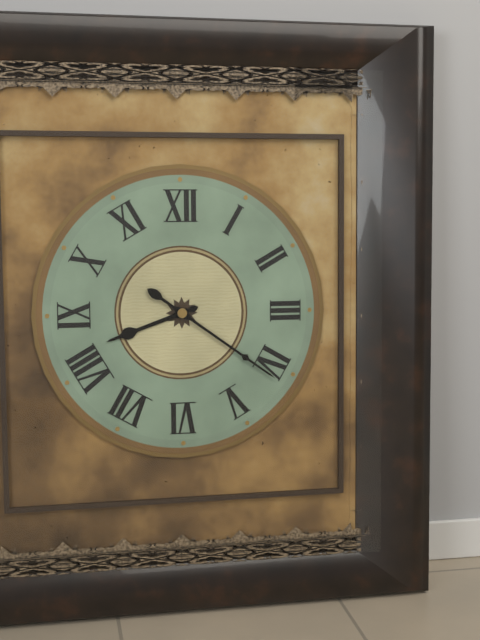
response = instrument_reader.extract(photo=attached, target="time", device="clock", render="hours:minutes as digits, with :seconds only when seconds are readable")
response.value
8:21
